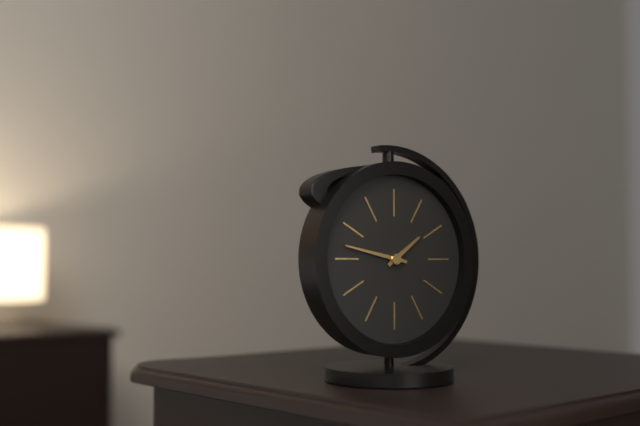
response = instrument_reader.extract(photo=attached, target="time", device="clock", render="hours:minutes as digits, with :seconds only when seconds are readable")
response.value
1:47
